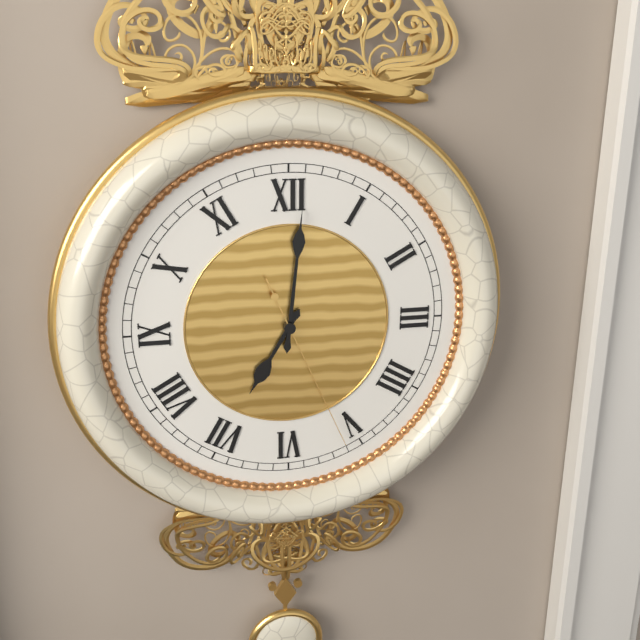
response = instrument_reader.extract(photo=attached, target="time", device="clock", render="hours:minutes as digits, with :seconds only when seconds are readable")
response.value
7:01:26
